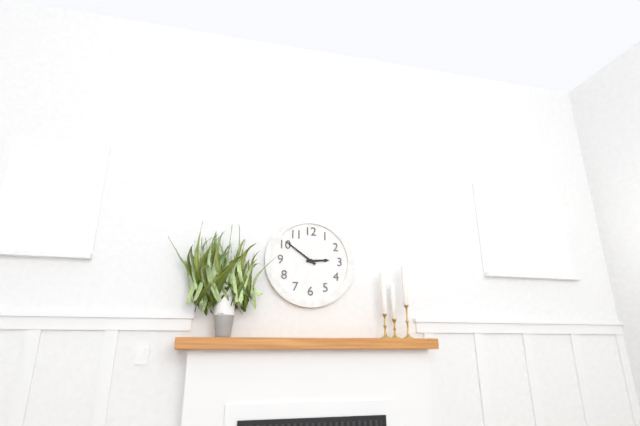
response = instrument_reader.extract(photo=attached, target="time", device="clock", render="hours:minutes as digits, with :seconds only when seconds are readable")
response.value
2:51
